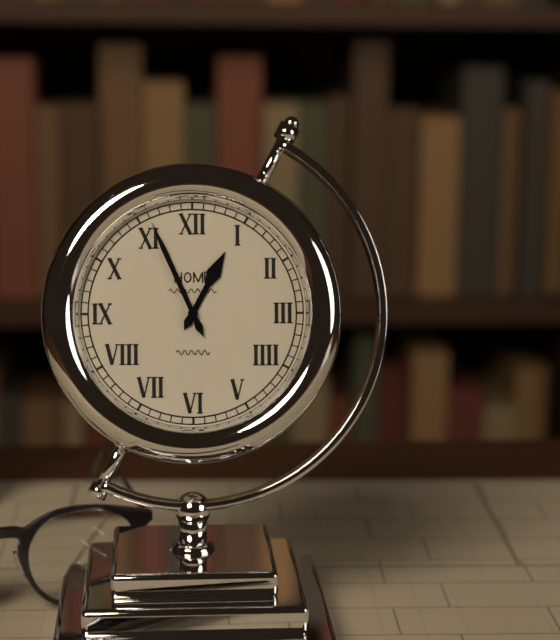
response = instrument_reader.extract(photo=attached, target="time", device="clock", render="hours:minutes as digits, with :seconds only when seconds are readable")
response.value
12:56
